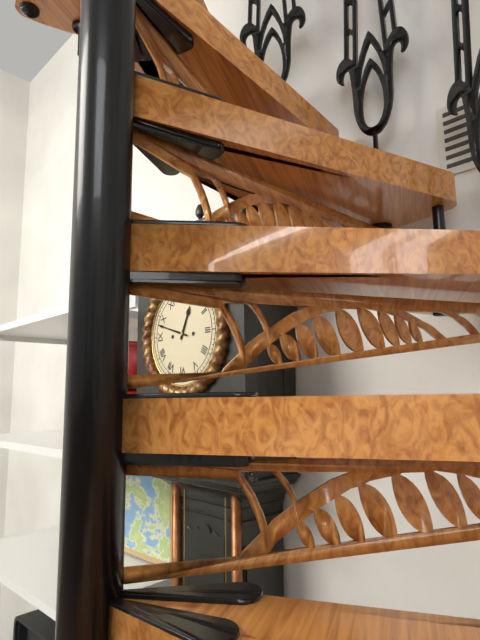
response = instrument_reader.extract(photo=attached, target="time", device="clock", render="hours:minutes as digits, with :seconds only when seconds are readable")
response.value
12:48
